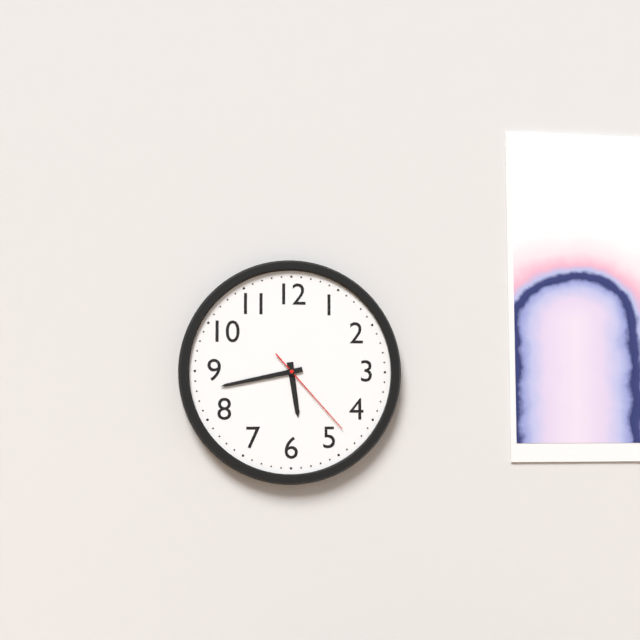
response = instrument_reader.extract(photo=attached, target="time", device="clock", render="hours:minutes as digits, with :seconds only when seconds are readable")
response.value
5:43:23
